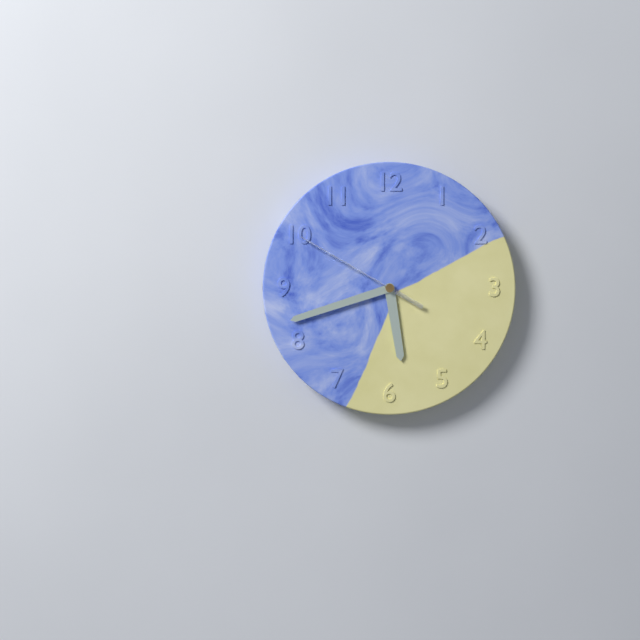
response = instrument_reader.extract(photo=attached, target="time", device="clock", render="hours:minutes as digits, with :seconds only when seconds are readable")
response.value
5:42:50
